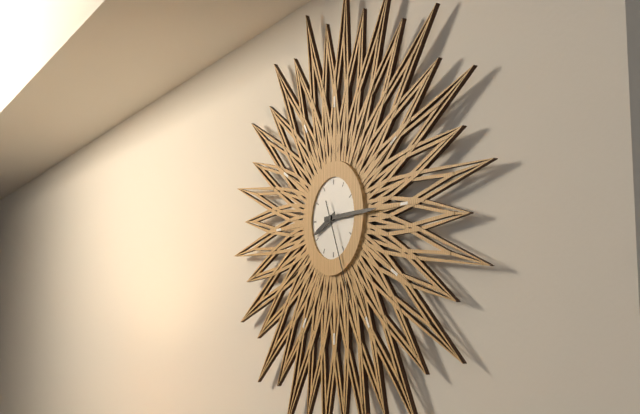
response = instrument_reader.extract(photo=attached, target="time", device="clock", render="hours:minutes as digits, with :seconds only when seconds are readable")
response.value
8:15:26
